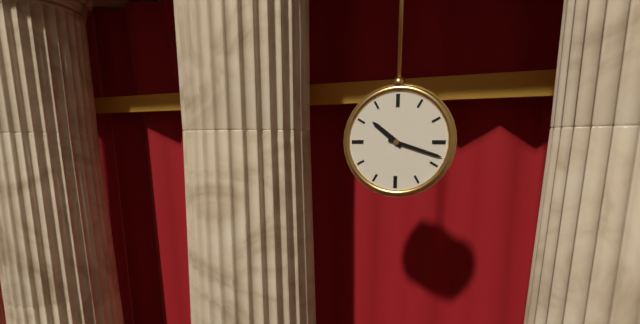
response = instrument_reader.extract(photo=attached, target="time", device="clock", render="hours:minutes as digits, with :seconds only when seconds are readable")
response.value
10:18
